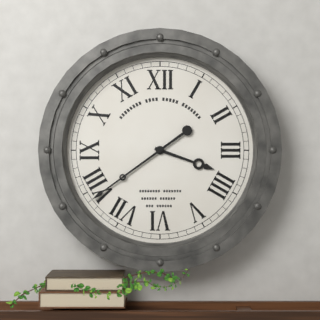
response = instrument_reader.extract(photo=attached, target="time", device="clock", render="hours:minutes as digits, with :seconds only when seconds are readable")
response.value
3:39
